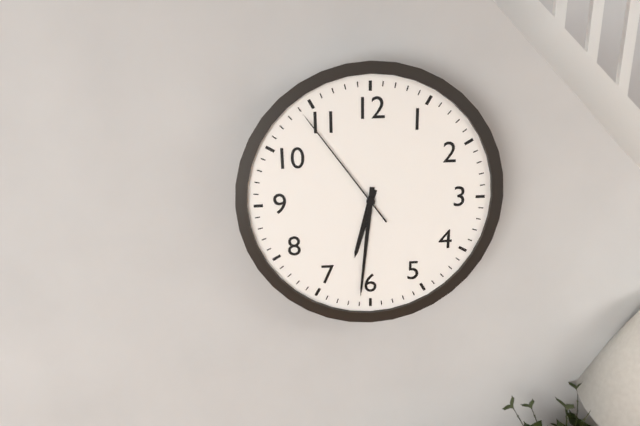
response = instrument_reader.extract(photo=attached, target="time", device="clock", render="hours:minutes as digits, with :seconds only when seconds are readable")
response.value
6:31:54
